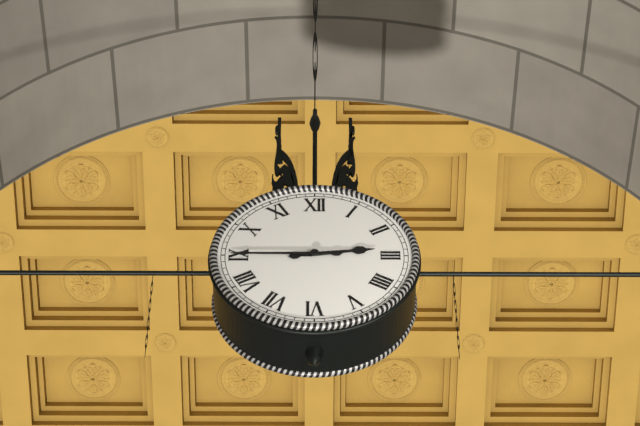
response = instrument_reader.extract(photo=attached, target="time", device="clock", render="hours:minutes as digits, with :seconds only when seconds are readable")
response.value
2:45
